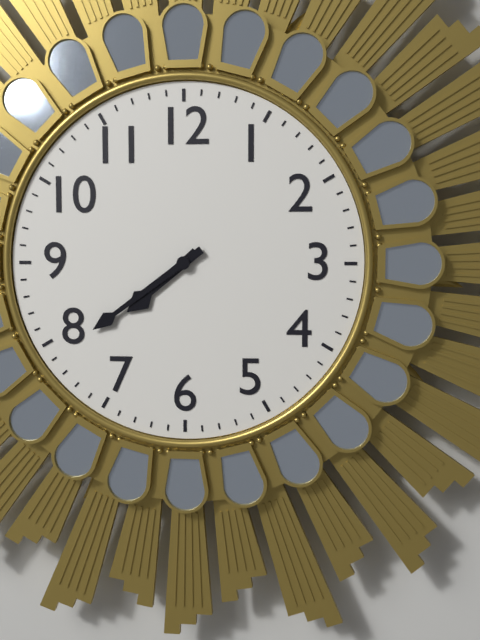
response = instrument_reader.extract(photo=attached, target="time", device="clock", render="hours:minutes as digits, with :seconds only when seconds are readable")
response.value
7:39
